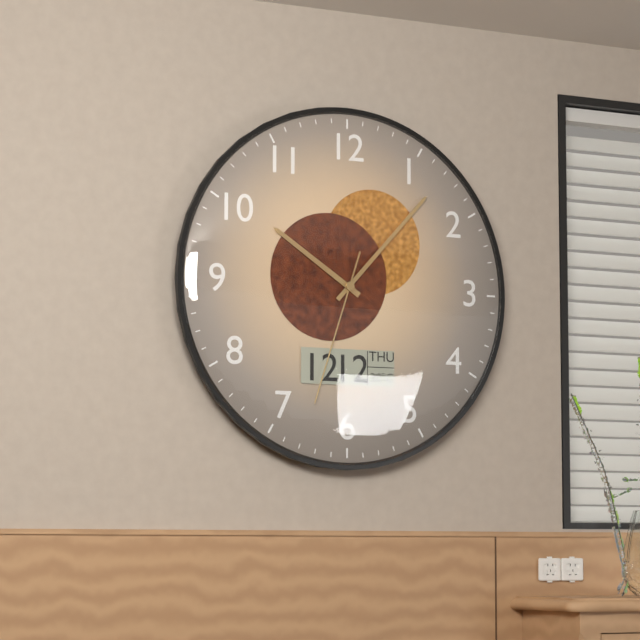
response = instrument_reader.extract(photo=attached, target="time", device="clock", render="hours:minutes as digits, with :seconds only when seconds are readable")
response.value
10:07:33
